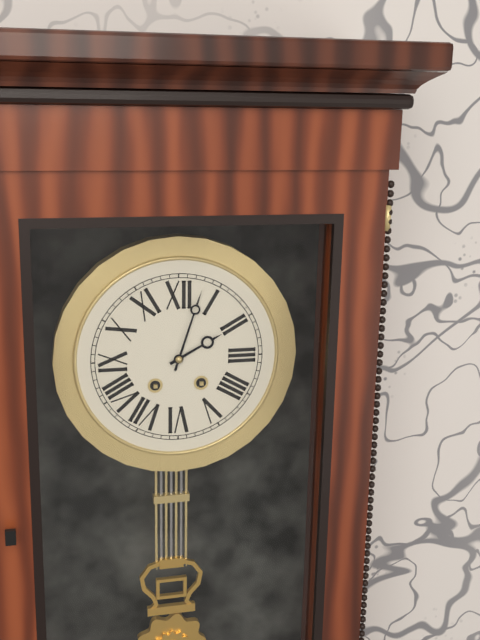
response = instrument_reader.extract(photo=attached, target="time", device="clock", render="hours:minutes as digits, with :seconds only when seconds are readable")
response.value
2:03
